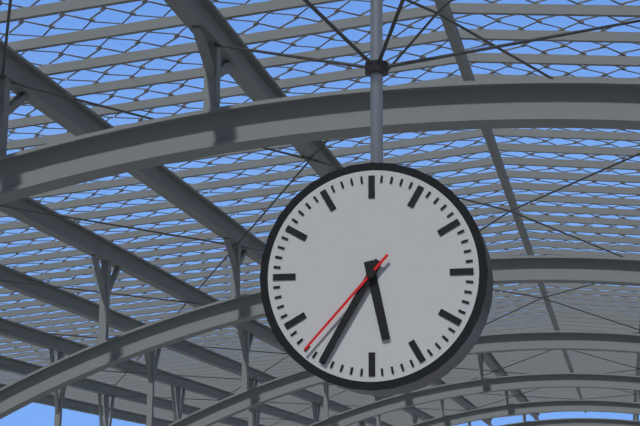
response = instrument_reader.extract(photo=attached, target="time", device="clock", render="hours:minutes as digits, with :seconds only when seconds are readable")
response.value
5:35:37
